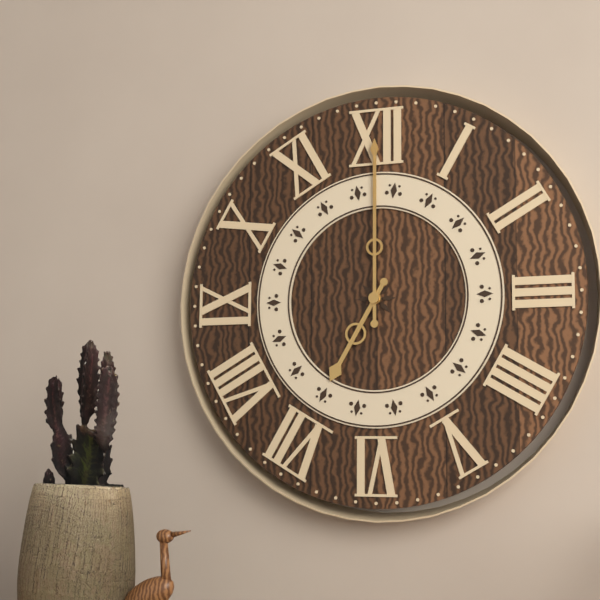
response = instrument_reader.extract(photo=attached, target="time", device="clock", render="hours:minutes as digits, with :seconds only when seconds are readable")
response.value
7:00
